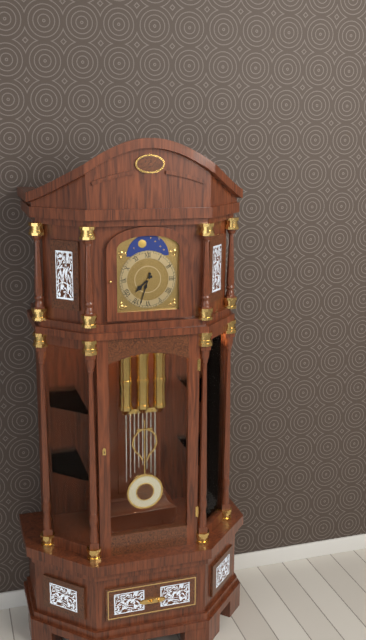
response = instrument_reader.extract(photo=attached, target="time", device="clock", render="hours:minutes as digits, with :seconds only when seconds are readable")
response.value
7:33
